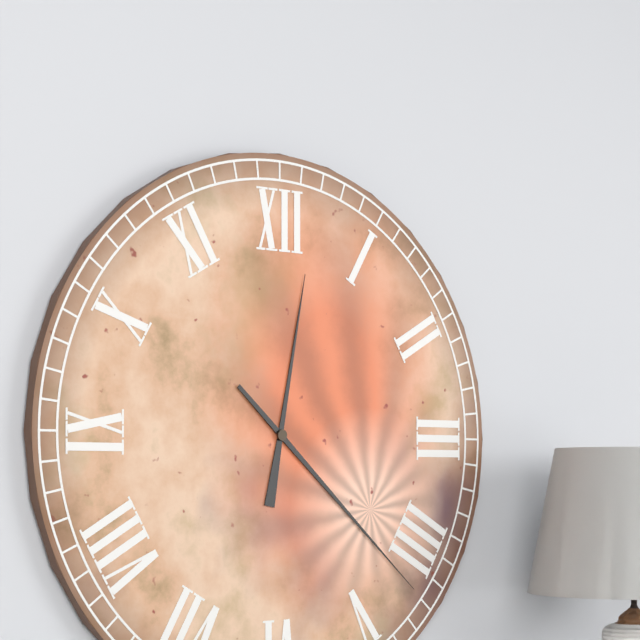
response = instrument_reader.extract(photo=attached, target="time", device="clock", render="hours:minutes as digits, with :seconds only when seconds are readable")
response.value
12:22
